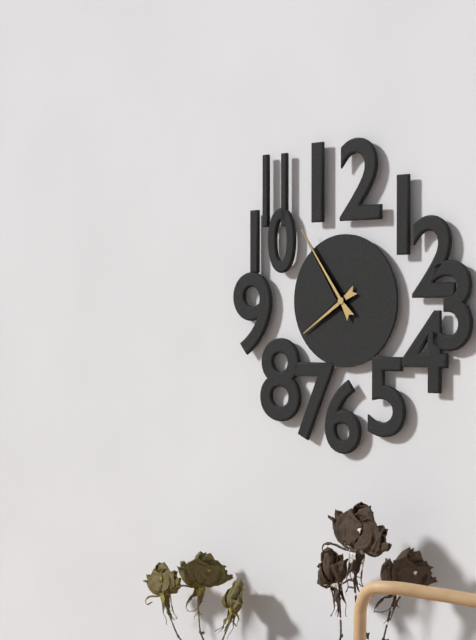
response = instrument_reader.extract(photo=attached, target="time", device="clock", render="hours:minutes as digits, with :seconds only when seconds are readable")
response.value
7:54
